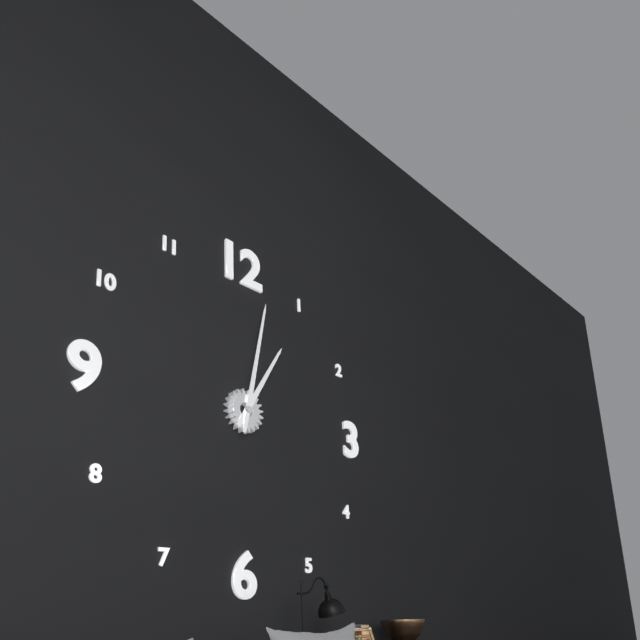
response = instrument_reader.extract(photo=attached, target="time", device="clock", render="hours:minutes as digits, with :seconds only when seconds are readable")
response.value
1:02
